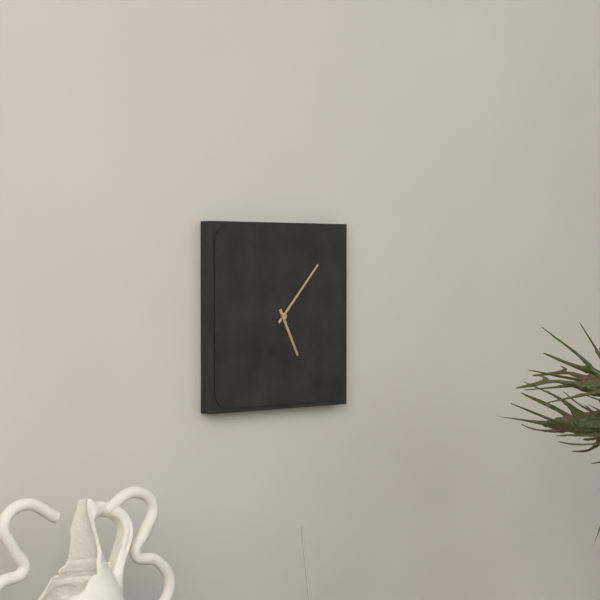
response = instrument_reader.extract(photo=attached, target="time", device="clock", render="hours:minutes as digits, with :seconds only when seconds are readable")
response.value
5:07
